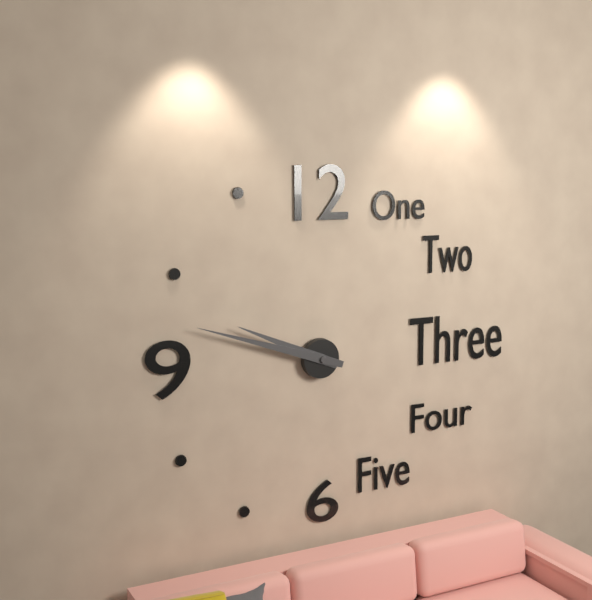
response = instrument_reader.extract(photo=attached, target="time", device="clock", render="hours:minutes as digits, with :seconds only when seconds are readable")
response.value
9:48
